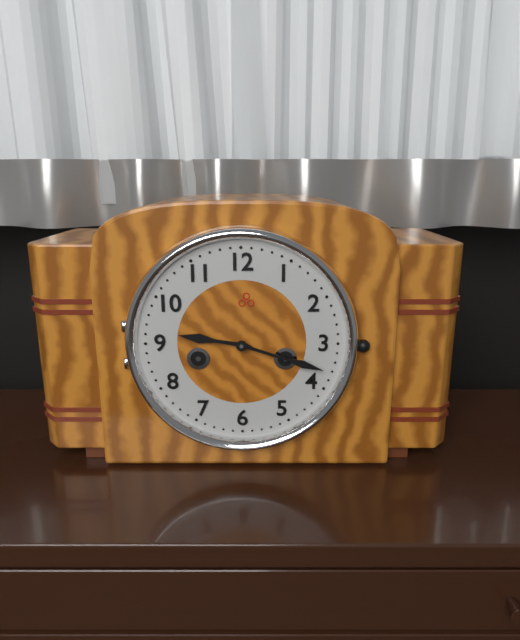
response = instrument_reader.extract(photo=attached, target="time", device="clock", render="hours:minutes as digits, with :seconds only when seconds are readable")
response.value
9:18
